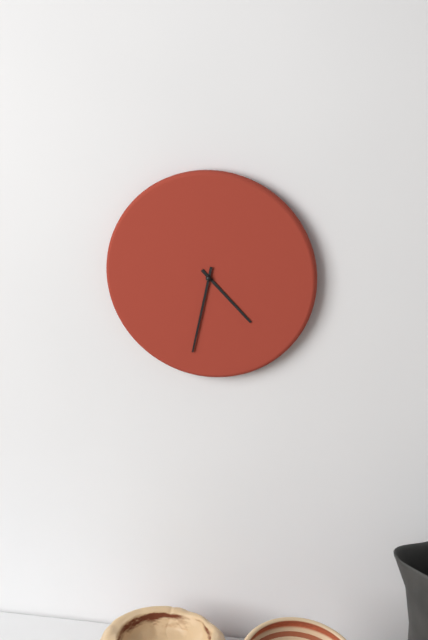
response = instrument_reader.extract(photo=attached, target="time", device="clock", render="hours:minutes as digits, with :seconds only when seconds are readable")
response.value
4:32
